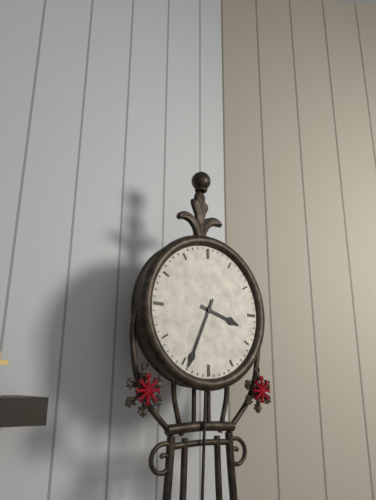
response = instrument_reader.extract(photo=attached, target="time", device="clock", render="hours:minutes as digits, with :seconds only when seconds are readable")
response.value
3:34
